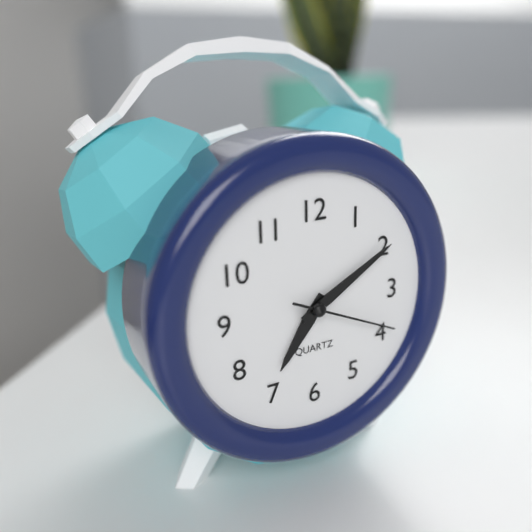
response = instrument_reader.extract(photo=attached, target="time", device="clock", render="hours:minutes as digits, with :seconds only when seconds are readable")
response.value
7:10:19
